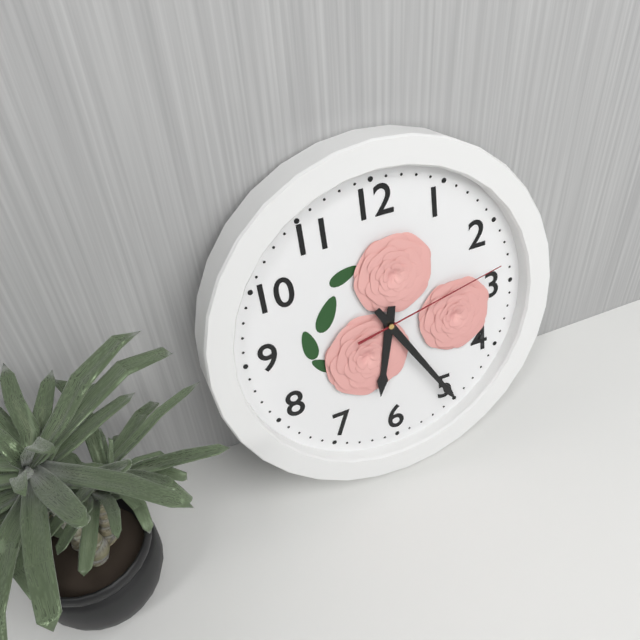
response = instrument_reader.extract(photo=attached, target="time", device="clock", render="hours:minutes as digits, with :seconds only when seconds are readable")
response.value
6:25:13
